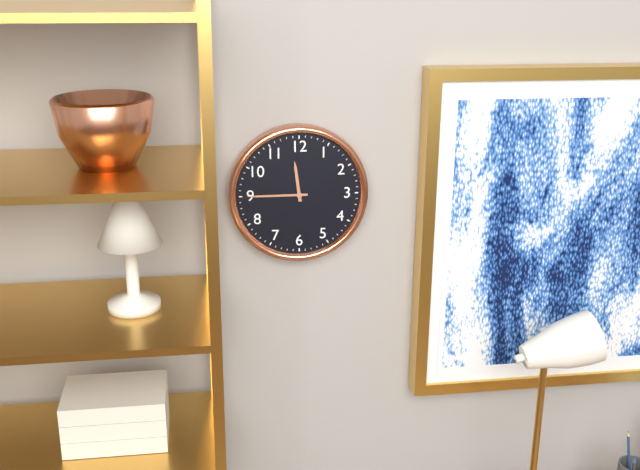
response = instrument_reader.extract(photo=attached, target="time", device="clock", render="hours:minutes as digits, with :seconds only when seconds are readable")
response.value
11:45
